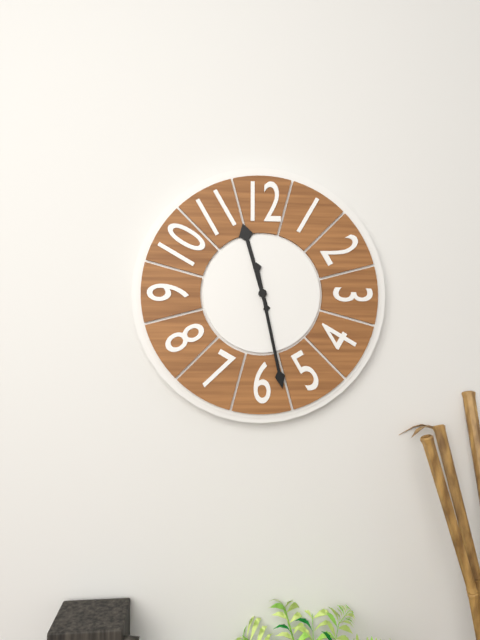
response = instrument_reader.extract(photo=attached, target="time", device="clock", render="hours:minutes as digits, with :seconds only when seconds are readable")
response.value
11:28
